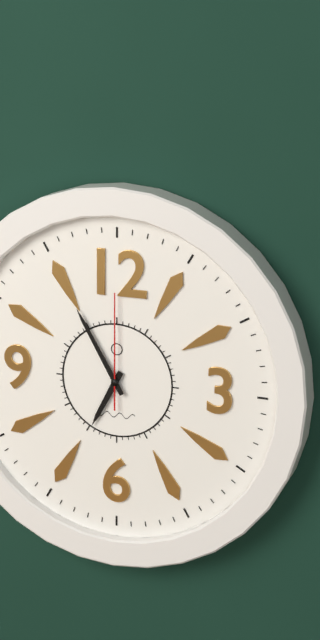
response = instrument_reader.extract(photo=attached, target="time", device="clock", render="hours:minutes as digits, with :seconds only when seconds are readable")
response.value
6:55:00
